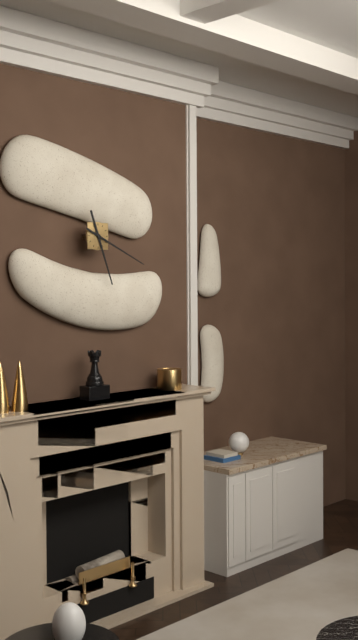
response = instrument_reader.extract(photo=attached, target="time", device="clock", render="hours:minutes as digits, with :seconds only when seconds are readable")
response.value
5:19
